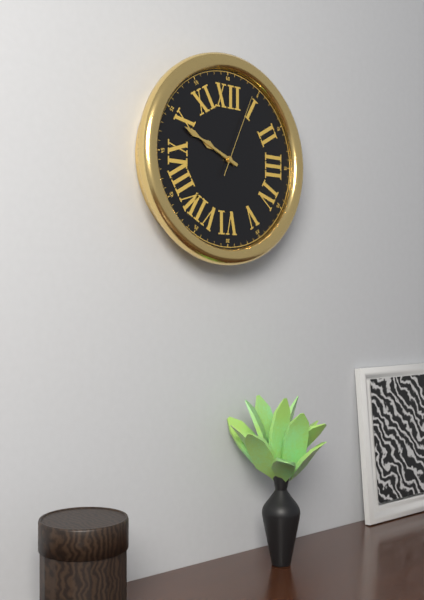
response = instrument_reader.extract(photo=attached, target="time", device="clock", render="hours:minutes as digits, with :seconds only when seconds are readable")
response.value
9:49:04
